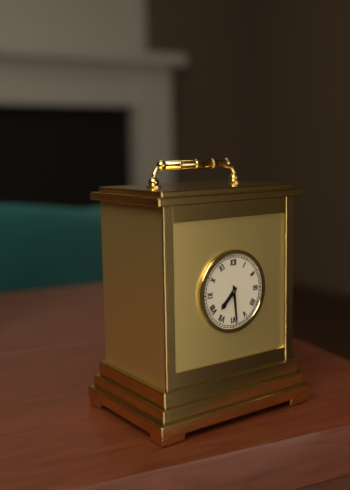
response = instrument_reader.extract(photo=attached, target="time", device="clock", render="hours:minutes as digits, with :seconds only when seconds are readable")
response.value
7:29
